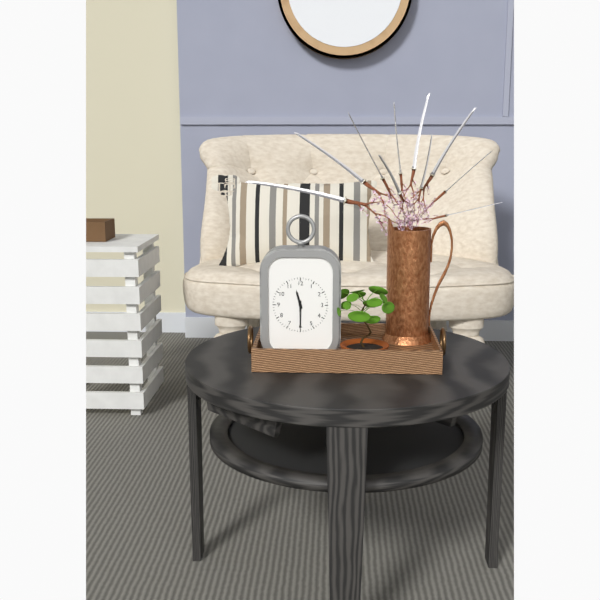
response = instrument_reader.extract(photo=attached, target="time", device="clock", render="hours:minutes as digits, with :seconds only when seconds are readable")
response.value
11:30
